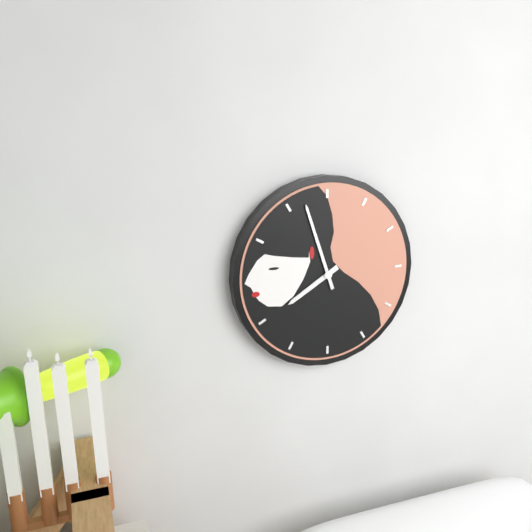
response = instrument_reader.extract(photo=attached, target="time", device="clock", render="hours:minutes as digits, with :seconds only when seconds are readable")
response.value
7:57
